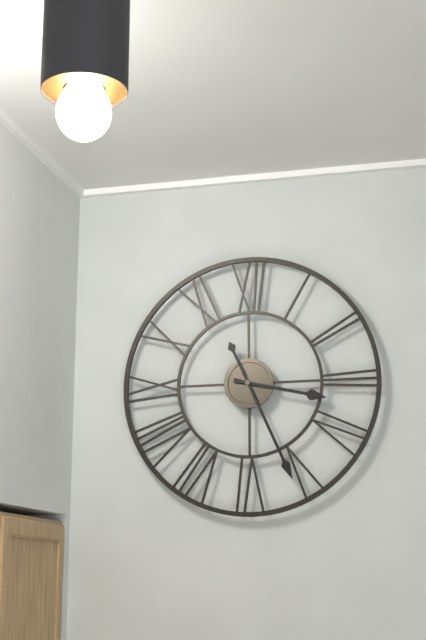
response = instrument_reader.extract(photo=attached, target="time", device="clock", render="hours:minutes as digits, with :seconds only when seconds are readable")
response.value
3:26
